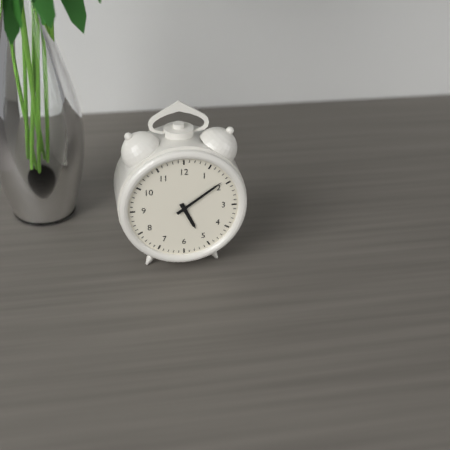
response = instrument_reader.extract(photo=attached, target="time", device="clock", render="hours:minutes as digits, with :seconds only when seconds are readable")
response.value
5:09
